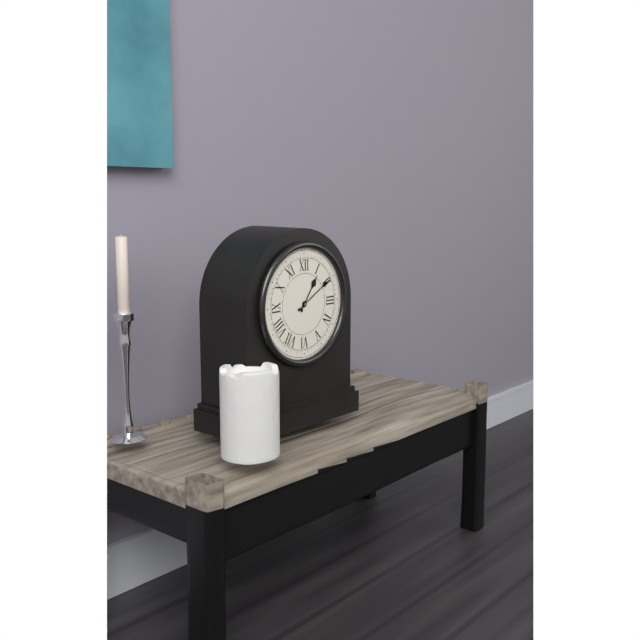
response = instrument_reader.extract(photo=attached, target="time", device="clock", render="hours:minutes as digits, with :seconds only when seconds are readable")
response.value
1:10
